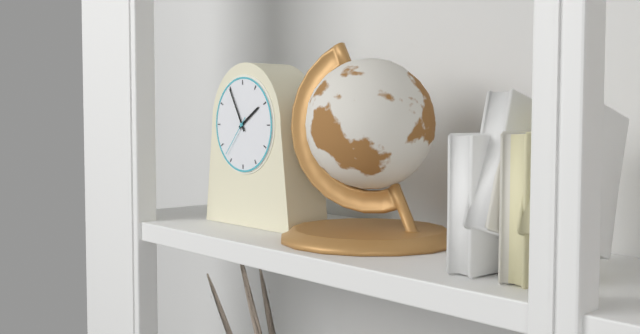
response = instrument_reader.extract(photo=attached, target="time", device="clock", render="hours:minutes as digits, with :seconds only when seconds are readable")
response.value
1:55
